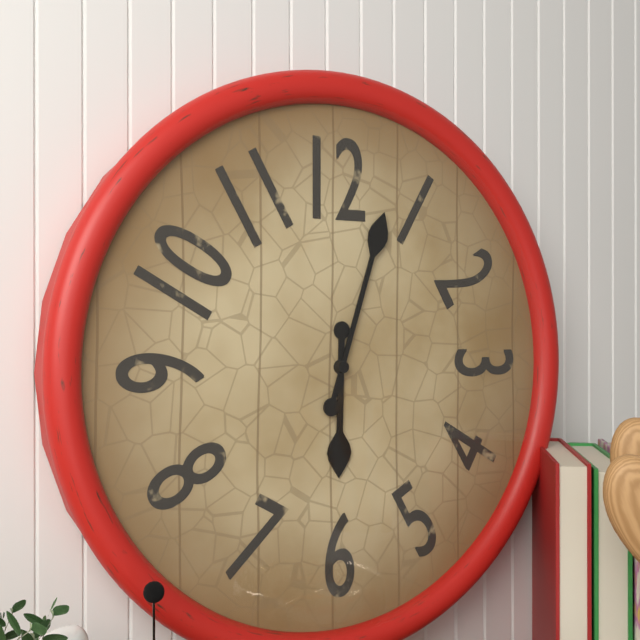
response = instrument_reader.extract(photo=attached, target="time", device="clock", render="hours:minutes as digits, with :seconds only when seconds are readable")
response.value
6:03
